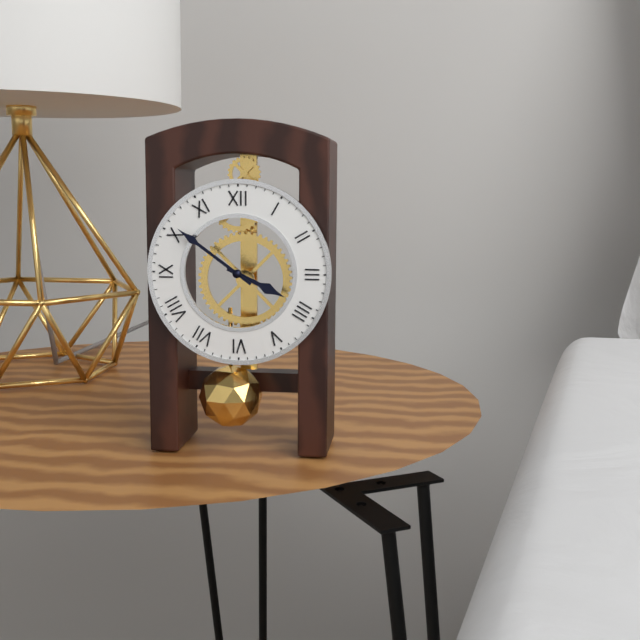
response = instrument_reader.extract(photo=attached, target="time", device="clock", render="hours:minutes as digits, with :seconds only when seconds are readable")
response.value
3:51
